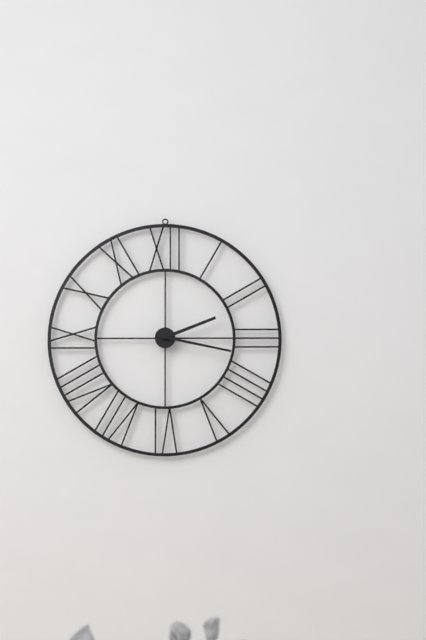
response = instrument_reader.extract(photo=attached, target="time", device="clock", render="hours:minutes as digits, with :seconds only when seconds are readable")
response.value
2:17
